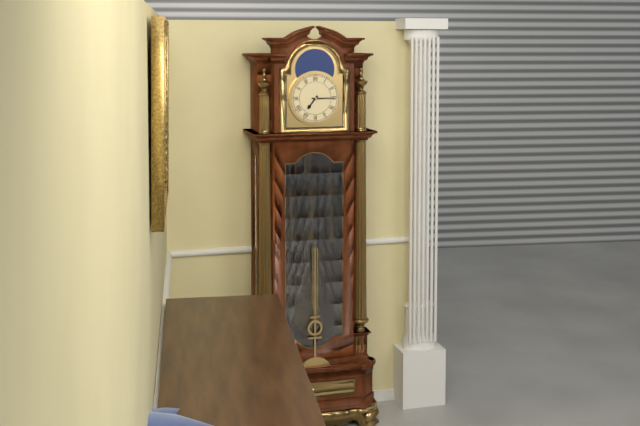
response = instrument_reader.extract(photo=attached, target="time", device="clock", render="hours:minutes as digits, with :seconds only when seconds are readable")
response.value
7:15
